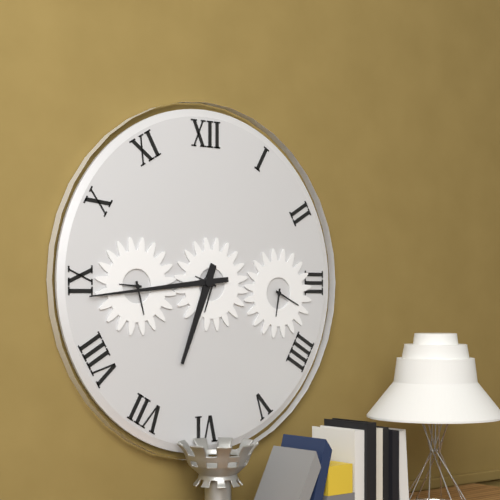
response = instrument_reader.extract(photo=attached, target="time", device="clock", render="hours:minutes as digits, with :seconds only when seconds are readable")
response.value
6:44
